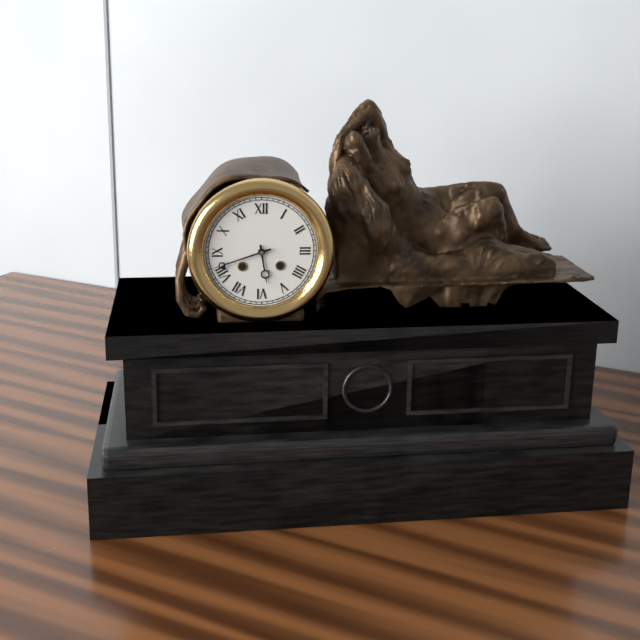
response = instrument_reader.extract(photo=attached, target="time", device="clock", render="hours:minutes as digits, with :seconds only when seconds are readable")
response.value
5:42
